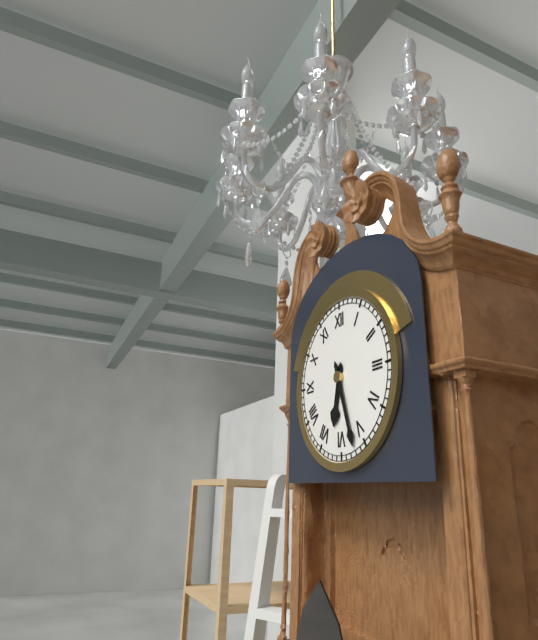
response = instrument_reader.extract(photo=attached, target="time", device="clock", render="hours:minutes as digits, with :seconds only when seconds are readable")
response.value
6:27
